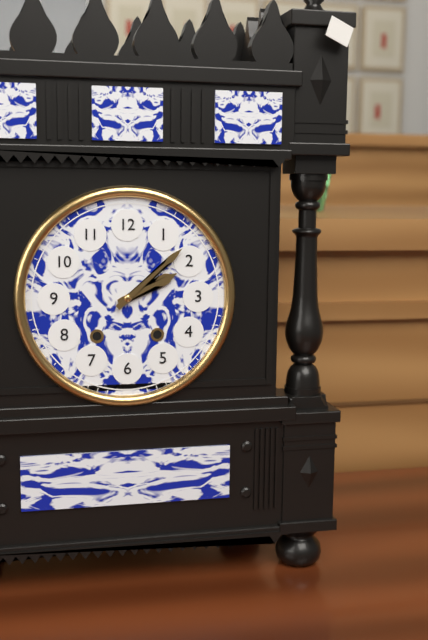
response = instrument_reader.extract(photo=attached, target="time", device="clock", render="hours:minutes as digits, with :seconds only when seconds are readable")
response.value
2:08
